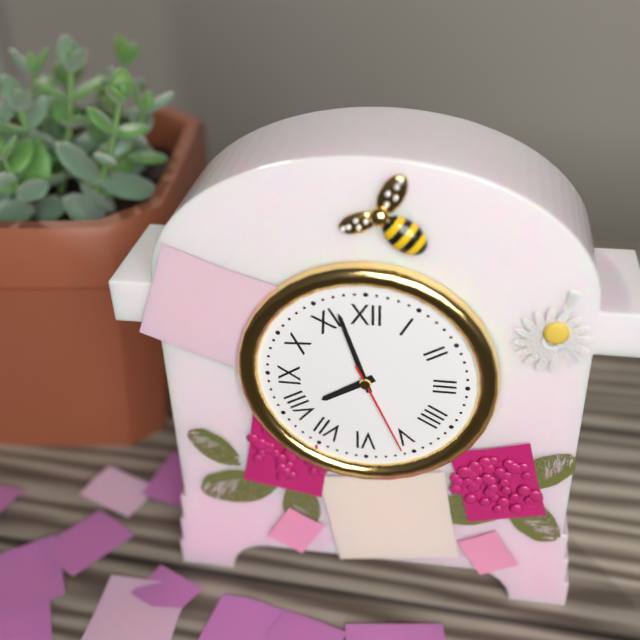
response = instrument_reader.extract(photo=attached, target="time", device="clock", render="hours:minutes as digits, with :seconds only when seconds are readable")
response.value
7:57:26
